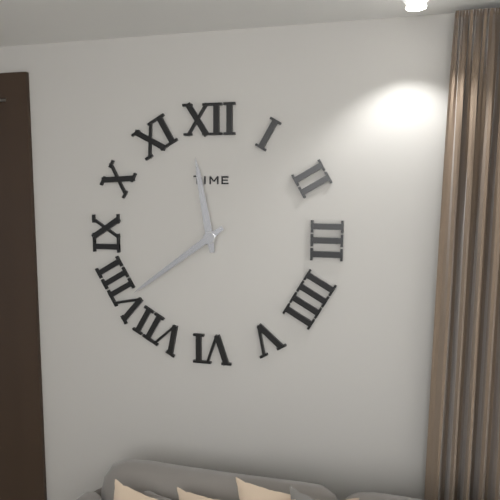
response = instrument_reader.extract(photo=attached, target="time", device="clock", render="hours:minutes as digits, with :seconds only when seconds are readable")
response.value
11:39
